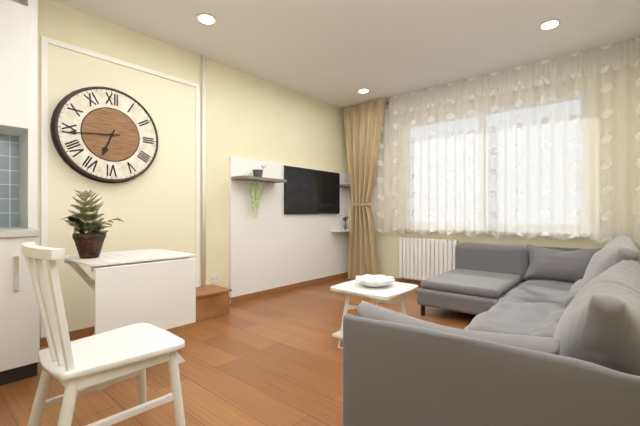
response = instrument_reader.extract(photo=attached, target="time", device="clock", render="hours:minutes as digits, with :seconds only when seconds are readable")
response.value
6:44
